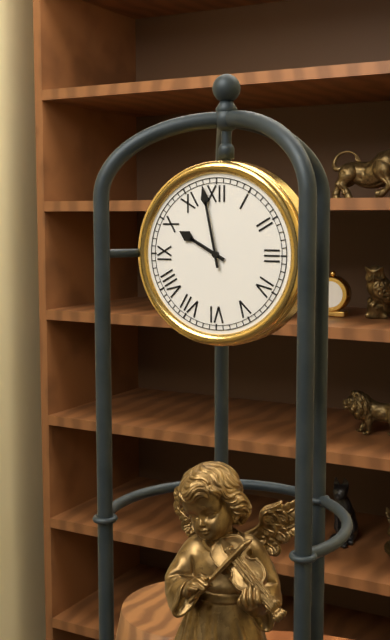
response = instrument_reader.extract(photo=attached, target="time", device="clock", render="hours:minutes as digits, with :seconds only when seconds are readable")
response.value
9:58
